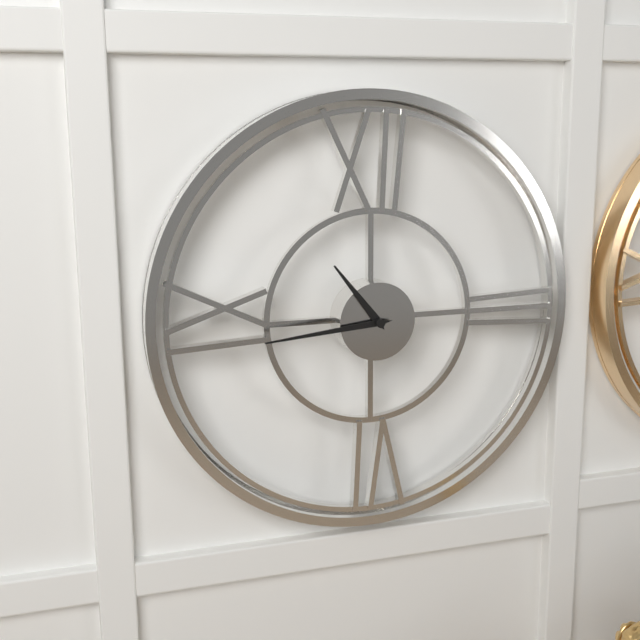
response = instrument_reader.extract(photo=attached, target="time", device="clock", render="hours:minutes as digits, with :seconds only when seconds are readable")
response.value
10:44
